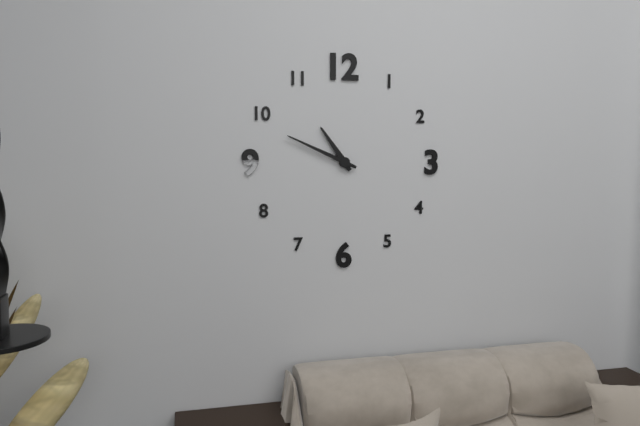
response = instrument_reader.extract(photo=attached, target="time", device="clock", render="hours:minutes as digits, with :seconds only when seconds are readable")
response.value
10:49
